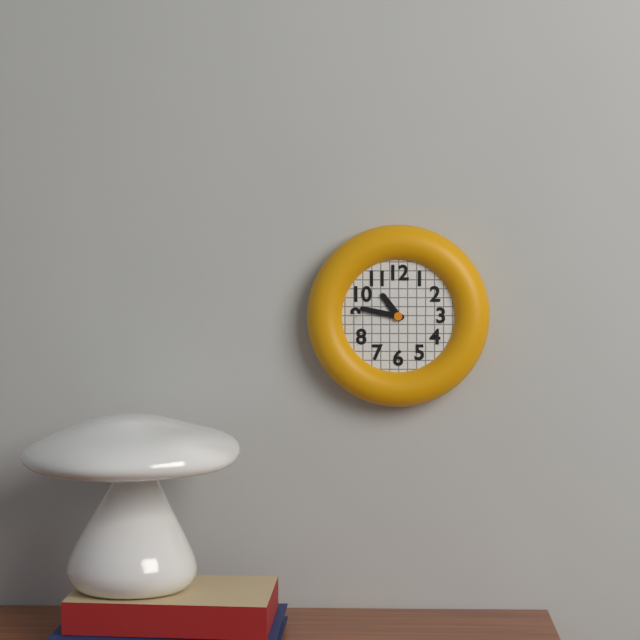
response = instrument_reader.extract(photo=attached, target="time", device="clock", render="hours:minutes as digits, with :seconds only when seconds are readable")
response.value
10:47
